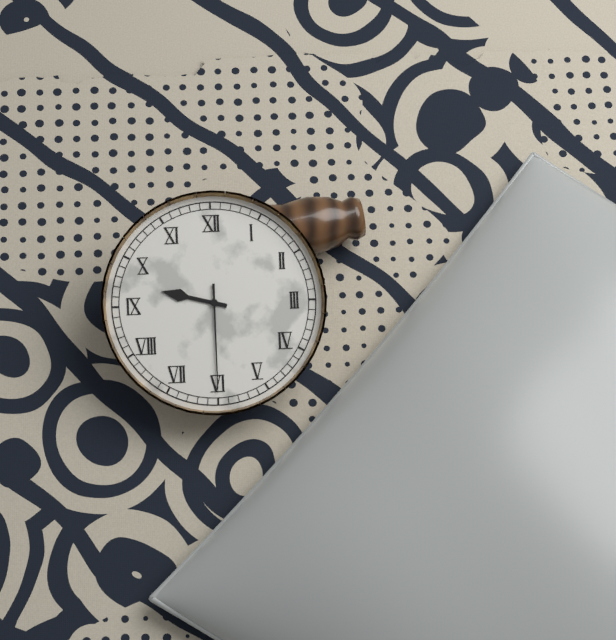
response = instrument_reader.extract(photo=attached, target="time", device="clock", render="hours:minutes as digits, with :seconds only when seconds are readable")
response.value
9:30
